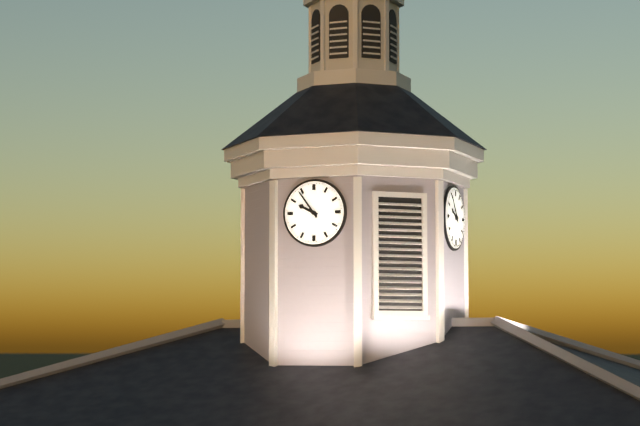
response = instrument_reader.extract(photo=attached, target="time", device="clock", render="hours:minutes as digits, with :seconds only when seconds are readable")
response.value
9:54
